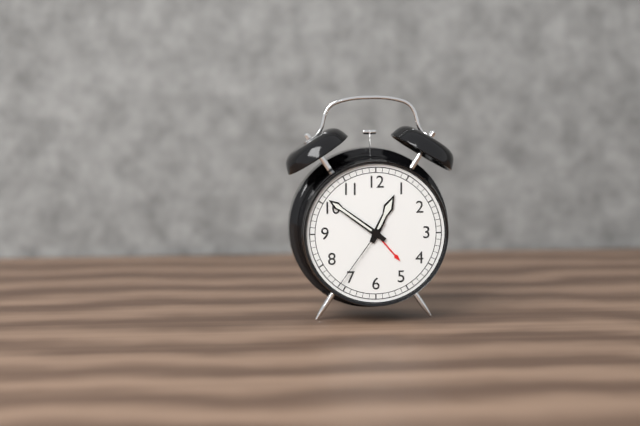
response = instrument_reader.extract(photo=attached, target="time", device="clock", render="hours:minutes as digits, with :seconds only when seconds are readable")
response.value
12:51:36
